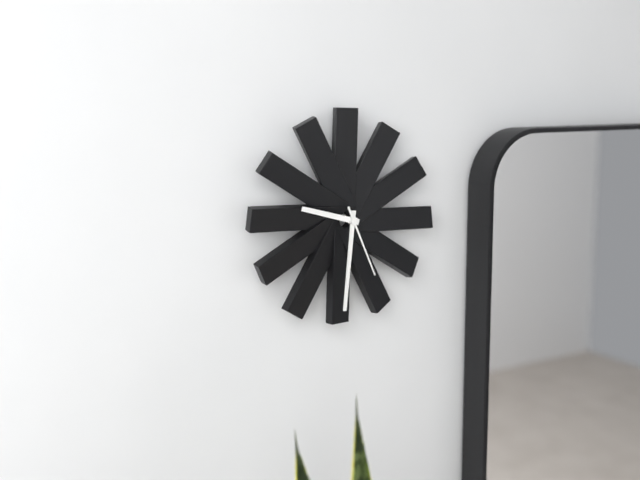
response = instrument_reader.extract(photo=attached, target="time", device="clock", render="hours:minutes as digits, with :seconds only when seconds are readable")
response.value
9:31:26
